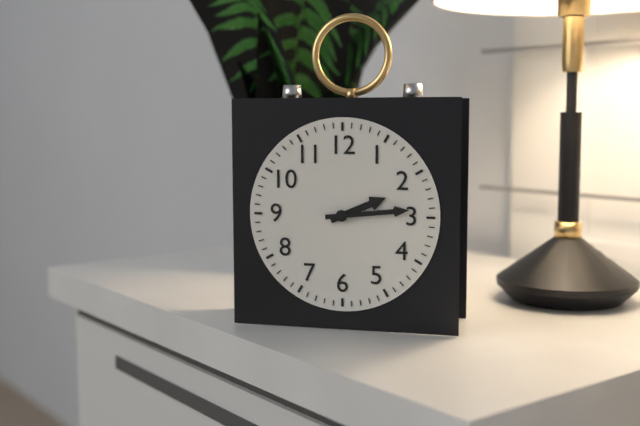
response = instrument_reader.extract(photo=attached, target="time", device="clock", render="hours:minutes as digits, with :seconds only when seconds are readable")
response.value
2:14
